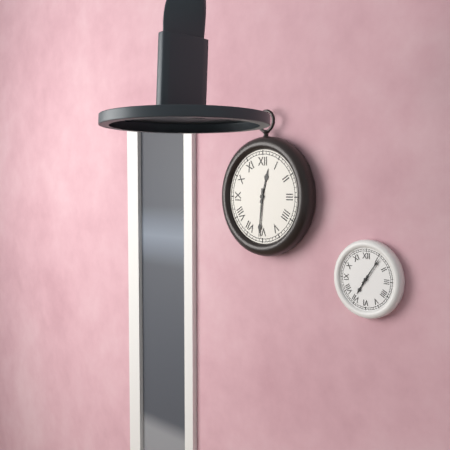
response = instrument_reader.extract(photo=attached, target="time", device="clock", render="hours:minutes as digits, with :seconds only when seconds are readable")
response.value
12:31
